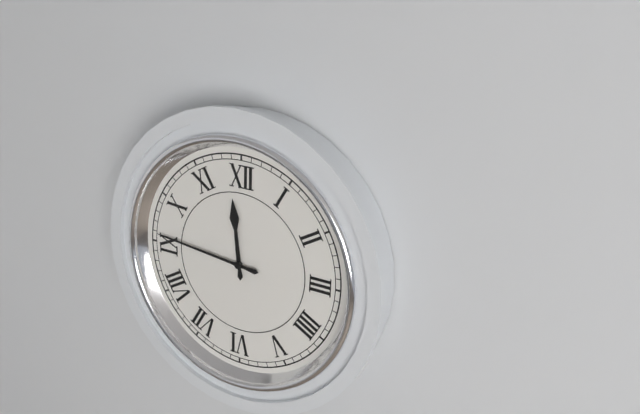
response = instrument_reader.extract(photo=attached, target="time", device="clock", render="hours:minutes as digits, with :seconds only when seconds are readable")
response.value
11:46
